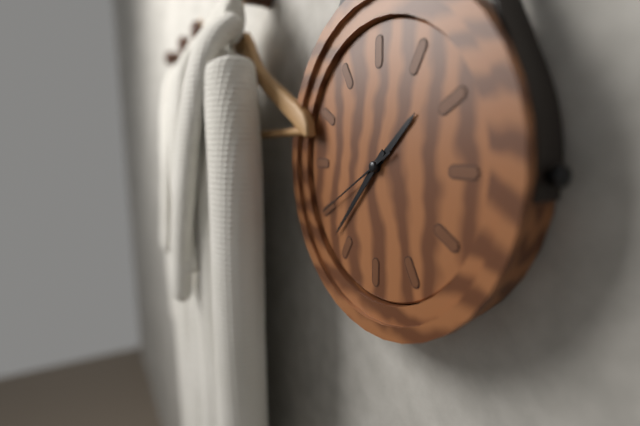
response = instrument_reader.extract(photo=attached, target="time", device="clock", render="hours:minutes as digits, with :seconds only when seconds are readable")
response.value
1:37:40
